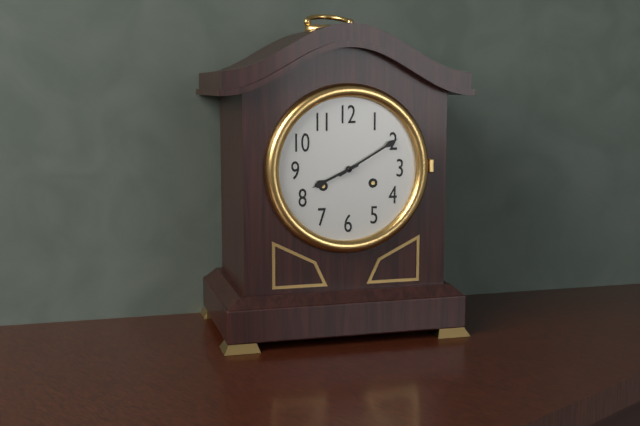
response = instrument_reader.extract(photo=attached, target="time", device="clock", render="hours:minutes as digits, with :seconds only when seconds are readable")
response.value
8:10
